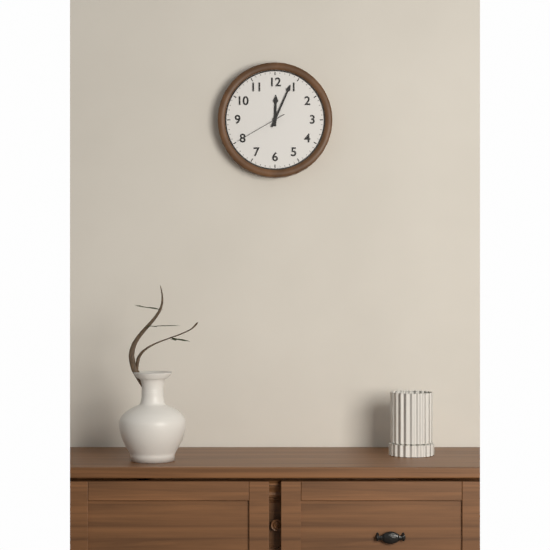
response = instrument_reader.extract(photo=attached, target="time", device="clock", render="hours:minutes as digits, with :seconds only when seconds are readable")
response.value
12:04:40
